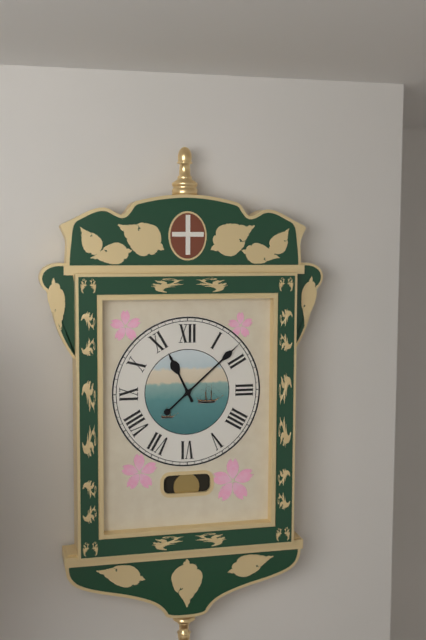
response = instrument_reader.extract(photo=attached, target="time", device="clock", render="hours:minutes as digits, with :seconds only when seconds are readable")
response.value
11:08
